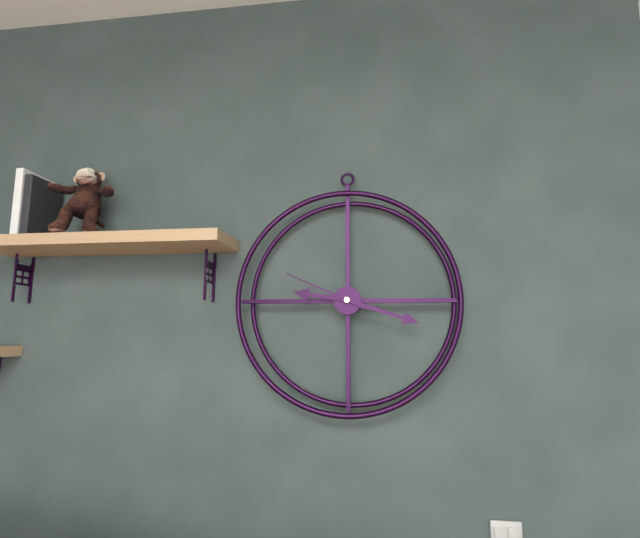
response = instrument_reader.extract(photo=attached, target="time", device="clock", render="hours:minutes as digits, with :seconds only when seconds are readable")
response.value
9:18:49
